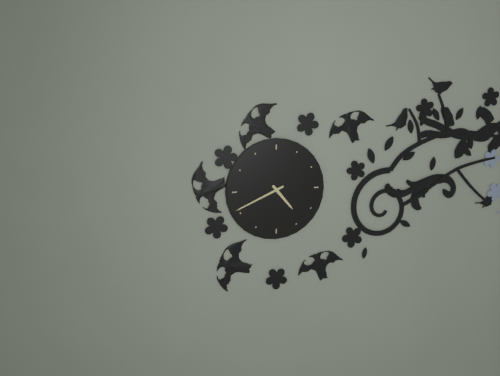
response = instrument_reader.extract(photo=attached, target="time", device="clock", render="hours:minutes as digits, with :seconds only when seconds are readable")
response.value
4:41
